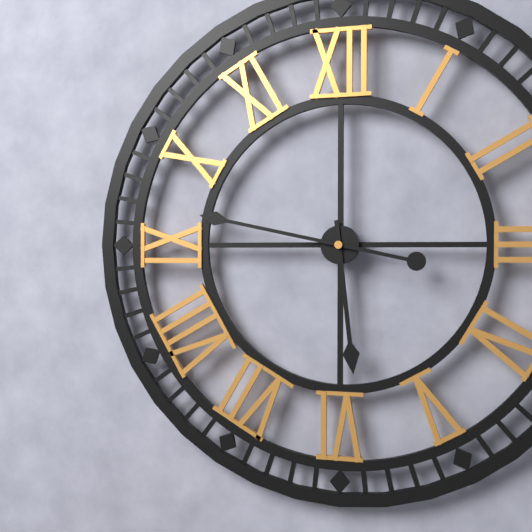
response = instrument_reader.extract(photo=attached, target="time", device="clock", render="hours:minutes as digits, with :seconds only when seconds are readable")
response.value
5:47
